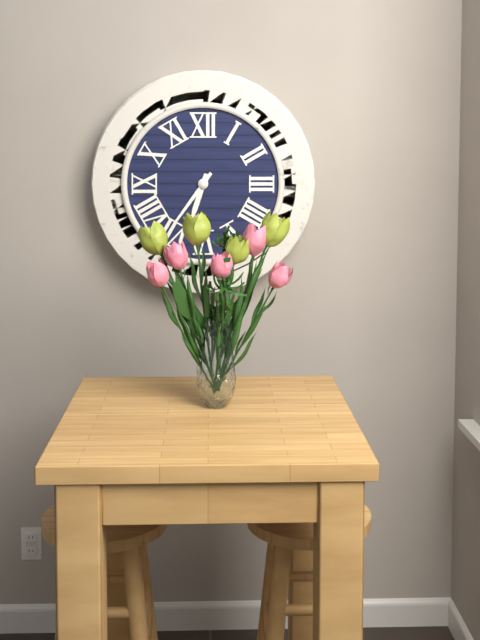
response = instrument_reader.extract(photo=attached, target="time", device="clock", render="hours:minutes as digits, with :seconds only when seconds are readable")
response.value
6:36
